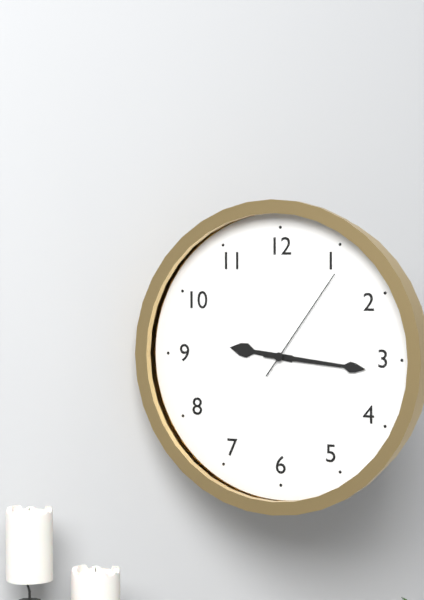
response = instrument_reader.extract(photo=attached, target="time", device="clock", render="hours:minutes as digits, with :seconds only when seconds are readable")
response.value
9:16:06
